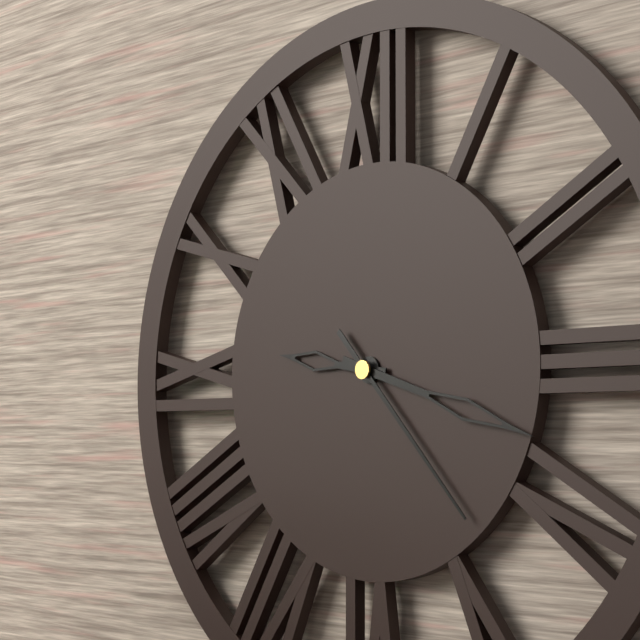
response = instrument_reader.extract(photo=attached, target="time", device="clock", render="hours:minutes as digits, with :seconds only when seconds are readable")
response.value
9:18:23
